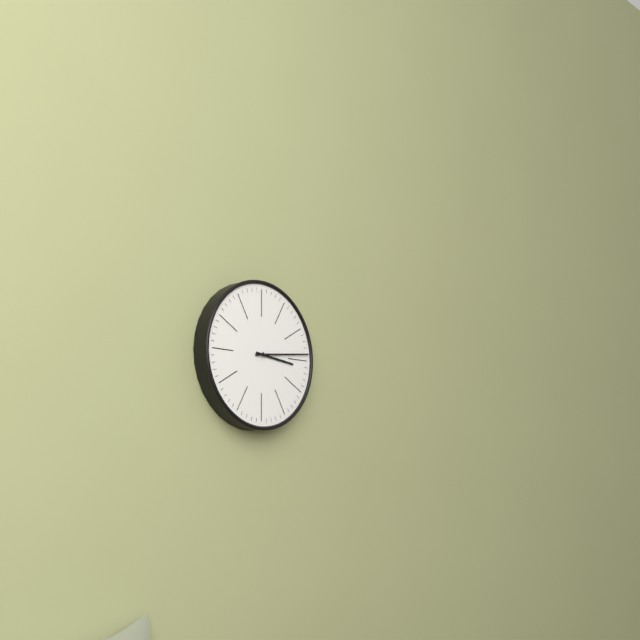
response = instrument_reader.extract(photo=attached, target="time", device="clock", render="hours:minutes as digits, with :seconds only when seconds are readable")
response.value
3:14
